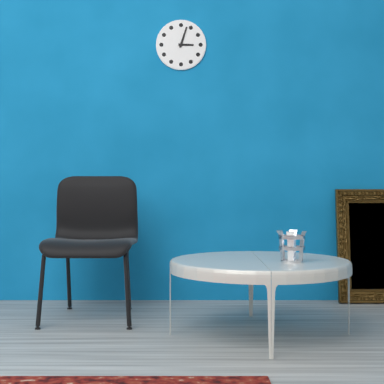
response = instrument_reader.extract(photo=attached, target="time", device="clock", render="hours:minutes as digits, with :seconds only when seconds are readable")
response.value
3:03
